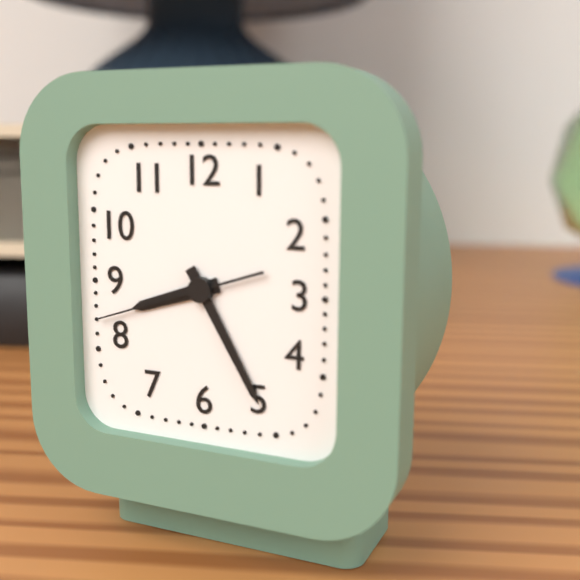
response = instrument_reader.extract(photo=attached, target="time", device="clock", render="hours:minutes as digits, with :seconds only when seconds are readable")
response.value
8:25:42
